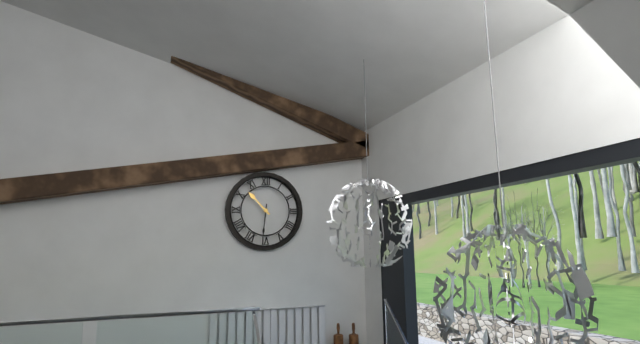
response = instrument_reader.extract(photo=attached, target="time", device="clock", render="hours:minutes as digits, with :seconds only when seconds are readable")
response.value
10:31
